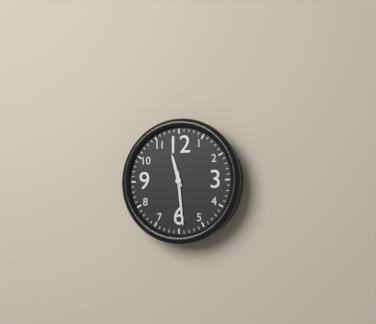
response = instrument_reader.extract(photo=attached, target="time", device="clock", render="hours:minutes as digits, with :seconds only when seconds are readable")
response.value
11:29
